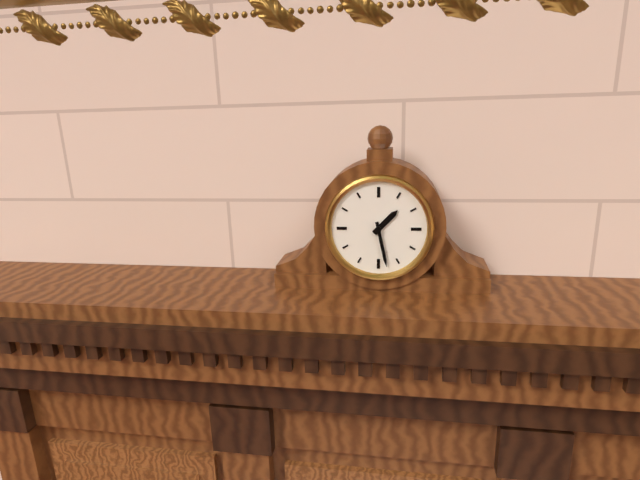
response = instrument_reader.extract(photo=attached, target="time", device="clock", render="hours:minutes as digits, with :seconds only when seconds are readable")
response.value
1:28
